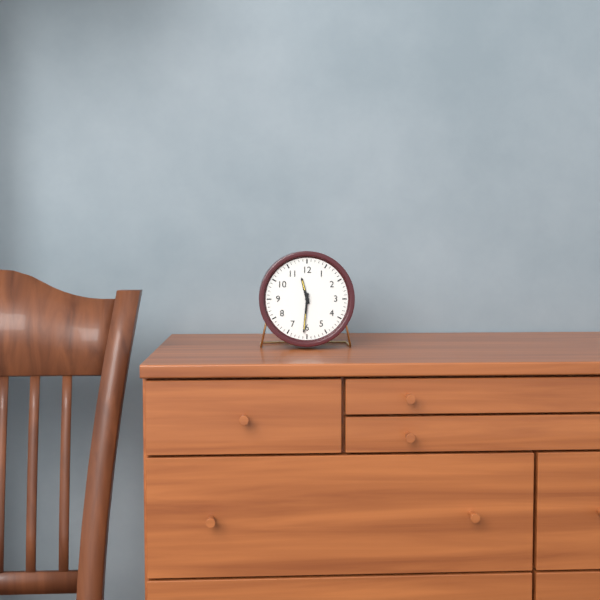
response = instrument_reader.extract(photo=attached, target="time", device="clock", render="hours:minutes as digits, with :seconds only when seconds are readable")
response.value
11:31
